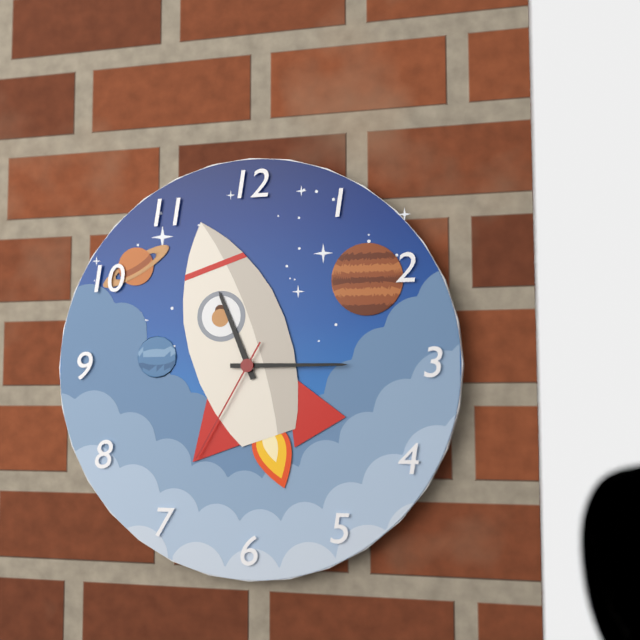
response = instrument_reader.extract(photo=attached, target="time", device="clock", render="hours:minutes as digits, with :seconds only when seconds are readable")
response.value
11:15:35
